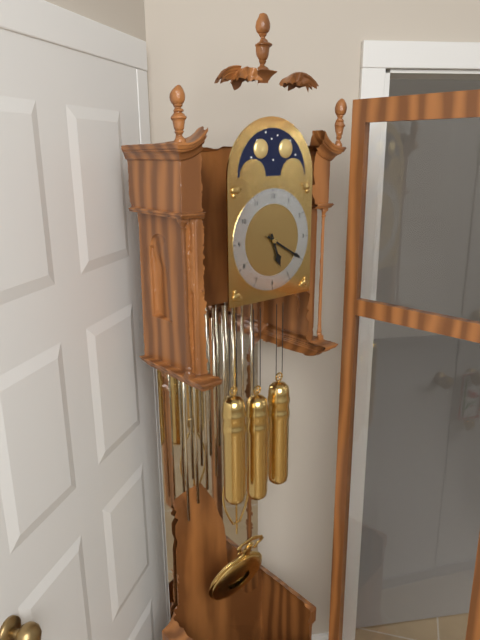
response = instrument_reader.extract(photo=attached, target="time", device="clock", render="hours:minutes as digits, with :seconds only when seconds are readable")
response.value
5:20
